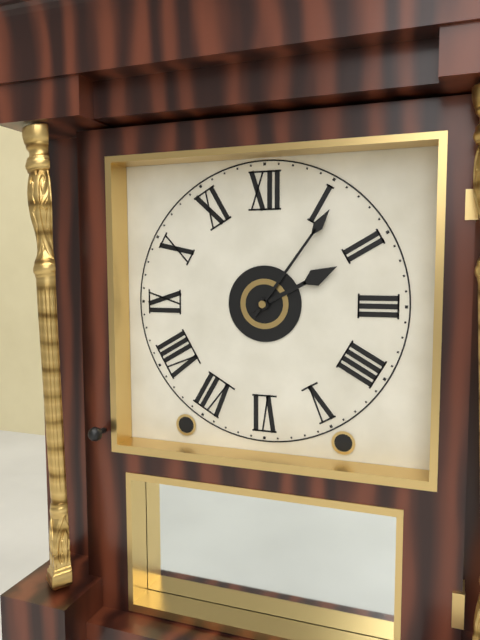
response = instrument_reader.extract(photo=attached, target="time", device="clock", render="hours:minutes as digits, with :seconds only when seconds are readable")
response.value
2:06
